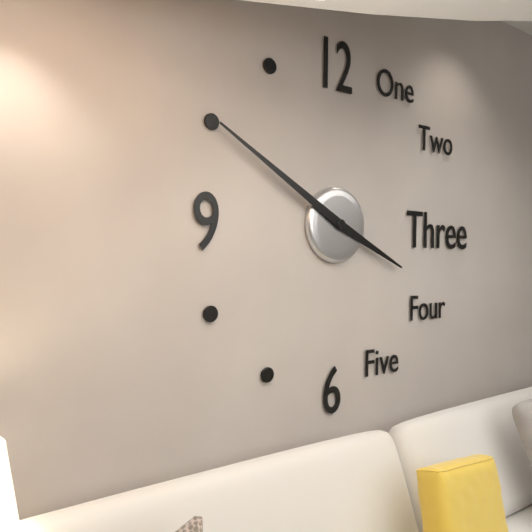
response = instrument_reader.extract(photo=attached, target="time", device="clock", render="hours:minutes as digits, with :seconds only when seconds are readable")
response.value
3:50
